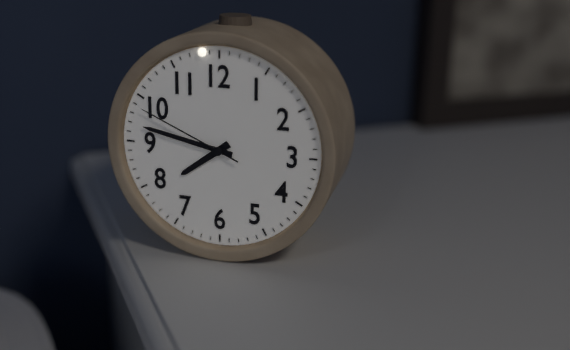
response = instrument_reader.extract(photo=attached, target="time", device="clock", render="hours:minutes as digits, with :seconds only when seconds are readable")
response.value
7:47:49
